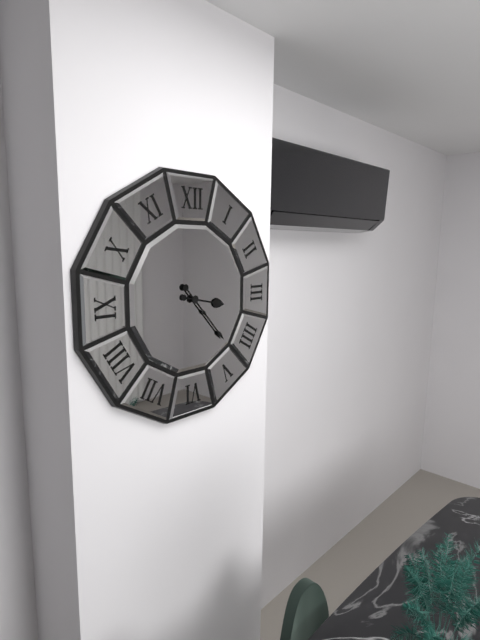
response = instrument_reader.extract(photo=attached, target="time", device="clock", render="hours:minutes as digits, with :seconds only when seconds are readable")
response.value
3:23
